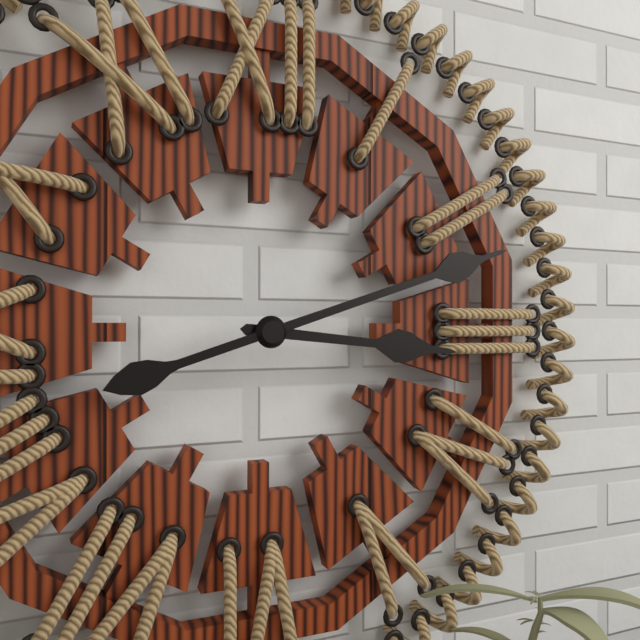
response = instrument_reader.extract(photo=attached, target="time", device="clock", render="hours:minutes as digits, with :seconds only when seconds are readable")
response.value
3:12
